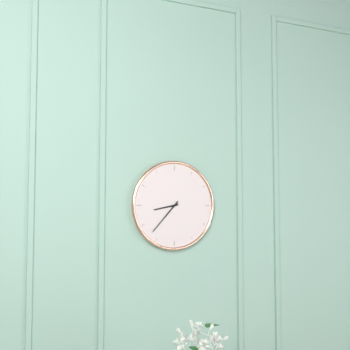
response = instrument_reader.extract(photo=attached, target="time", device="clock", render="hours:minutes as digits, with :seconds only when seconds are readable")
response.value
8:37
